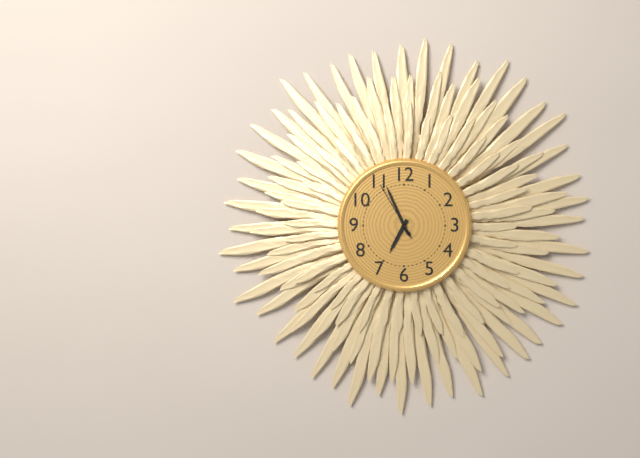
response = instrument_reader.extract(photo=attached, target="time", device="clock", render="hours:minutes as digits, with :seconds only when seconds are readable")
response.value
6:56:55
